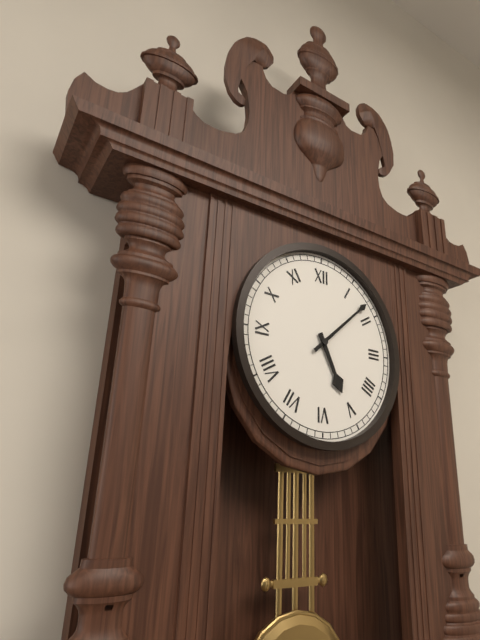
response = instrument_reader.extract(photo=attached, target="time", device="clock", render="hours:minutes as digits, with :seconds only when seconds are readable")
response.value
5:08
